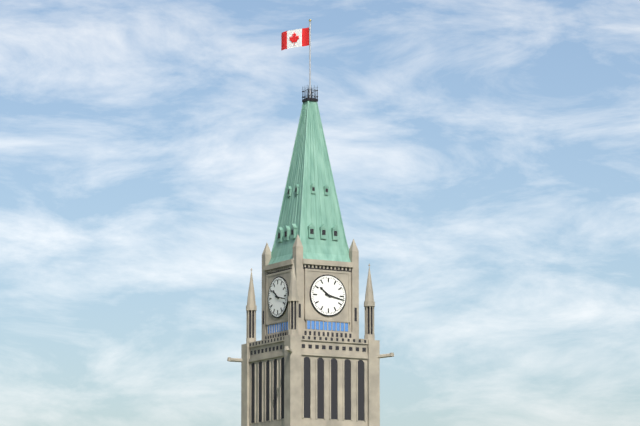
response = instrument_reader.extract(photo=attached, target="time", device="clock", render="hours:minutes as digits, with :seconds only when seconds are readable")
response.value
10:17
